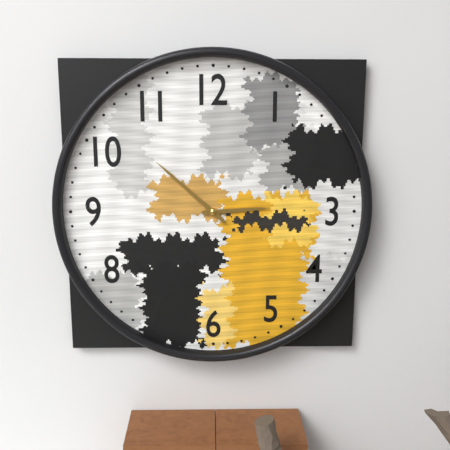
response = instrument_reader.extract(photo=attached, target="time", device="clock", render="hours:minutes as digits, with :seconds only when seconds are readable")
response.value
2:52
